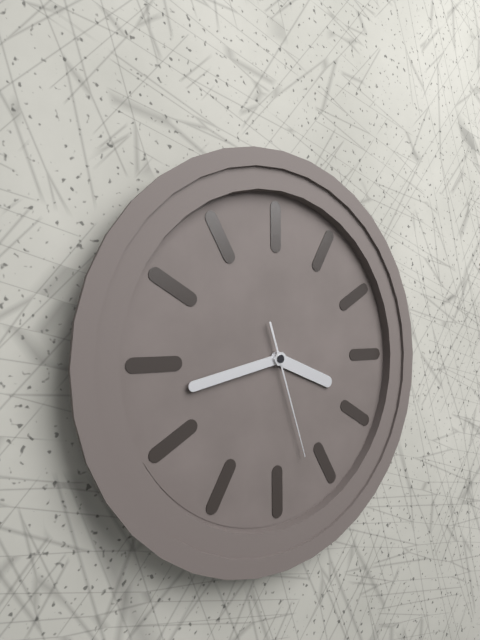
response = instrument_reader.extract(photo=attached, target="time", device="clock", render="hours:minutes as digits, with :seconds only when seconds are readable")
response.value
3:43:27
